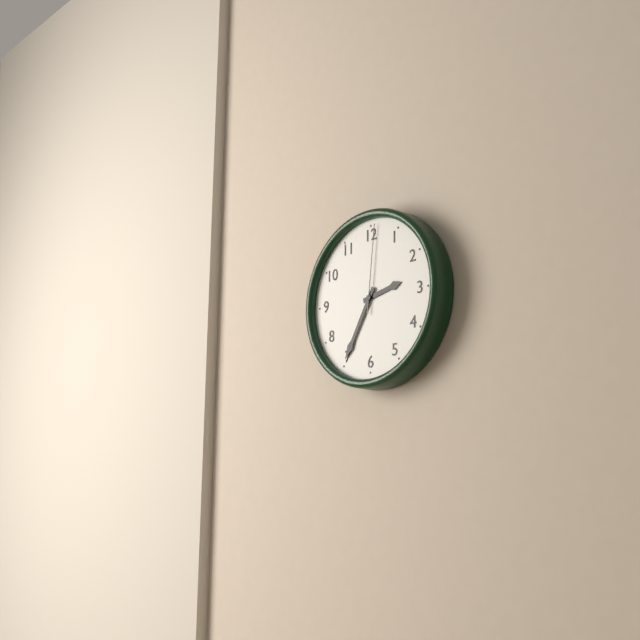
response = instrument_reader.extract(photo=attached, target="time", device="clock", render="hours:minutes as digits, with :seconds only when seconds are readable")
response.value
2:35:01
